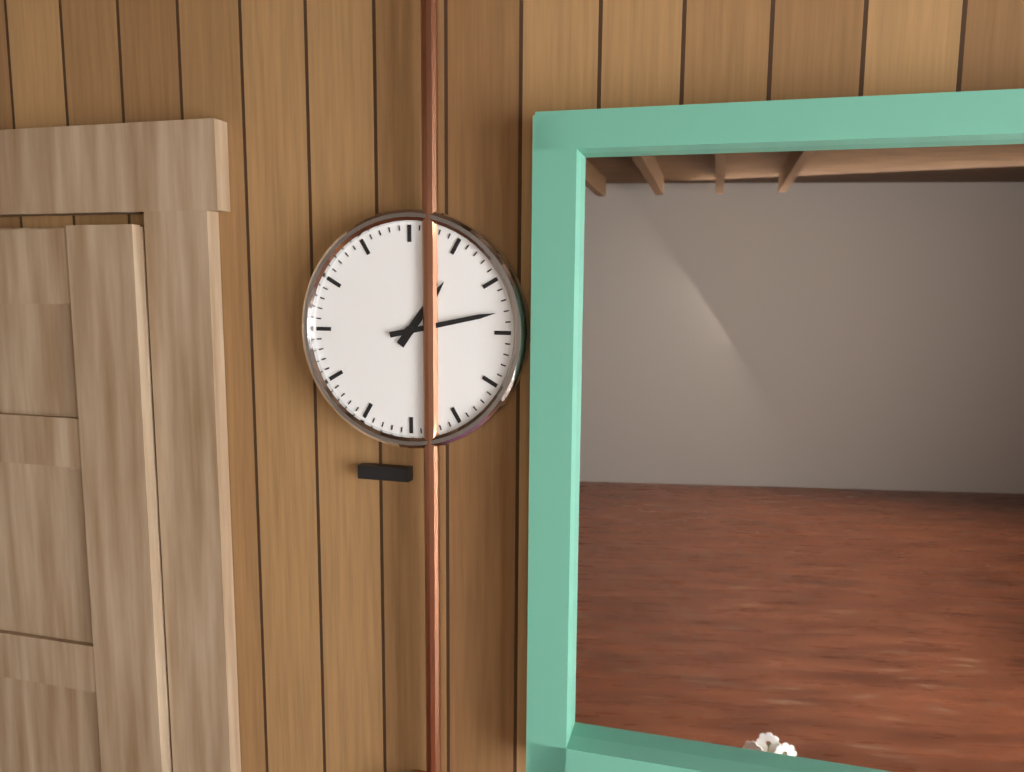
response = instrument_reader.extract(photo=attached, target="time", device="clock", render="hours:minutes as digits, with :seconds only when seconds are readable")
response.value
1:13
